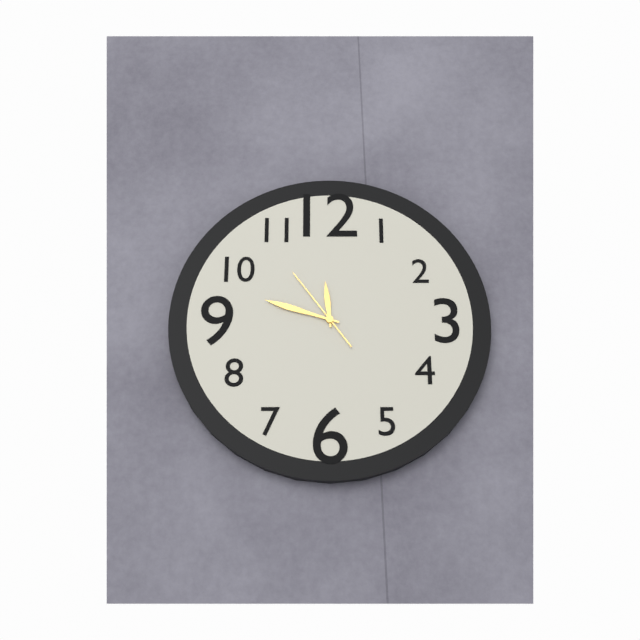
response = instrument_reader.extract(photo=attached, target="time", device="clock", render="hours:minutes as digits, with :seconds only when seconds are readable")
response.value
11:48:54
